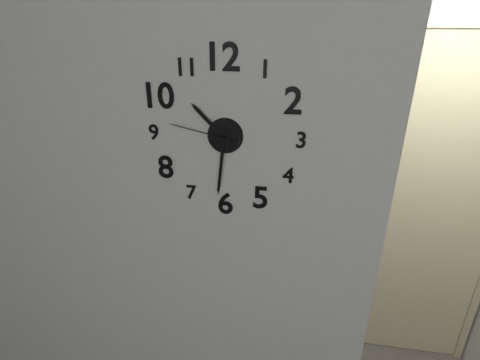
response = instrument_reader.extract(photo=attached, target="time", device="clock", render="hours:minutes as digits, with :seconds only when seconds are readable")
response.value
10:31:47
